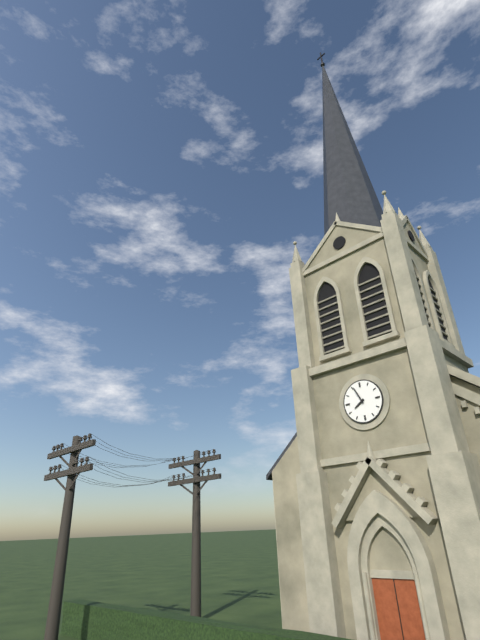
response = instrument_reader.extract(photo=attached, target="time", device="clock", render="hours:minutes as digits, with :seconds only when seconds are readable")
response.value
7:56
